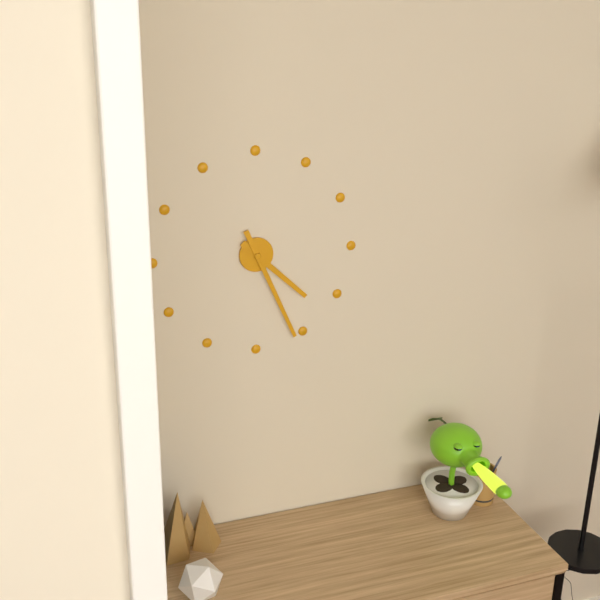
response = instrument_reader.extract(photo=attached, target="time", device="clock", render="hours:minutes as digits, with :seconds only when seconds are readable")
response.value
4:26
